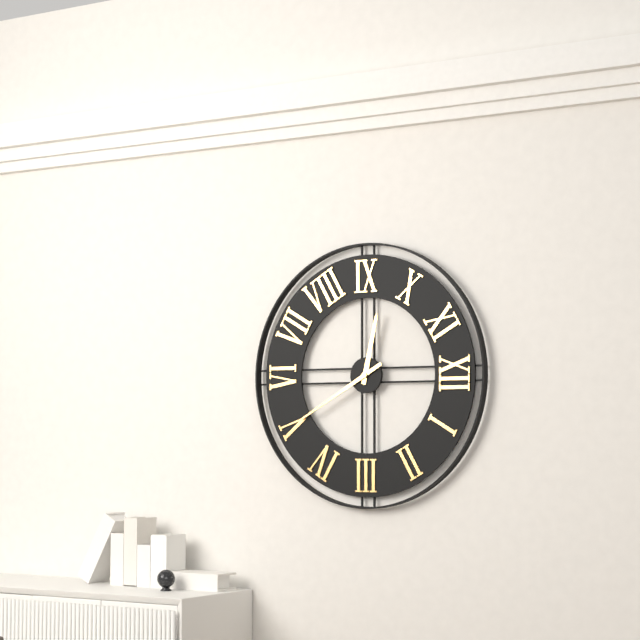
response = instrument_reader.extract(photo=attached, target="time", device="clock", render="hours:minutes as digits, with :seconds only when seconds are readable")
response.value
9:25
